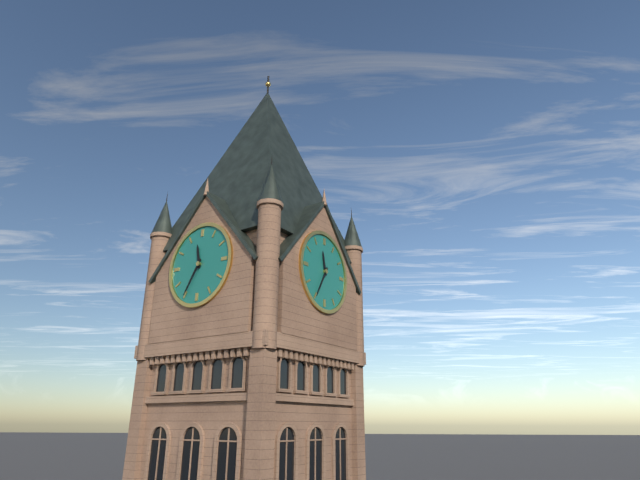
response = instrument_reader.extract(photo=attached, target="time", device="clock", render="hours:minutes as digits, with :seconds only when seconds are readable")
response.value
11:35
